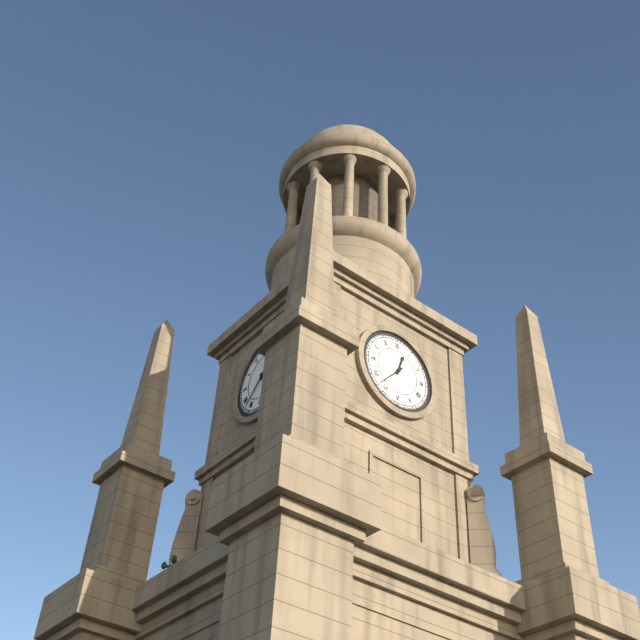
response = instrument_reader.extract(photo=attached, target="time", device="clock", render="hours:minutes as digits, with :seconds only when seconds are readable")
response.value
12:37
